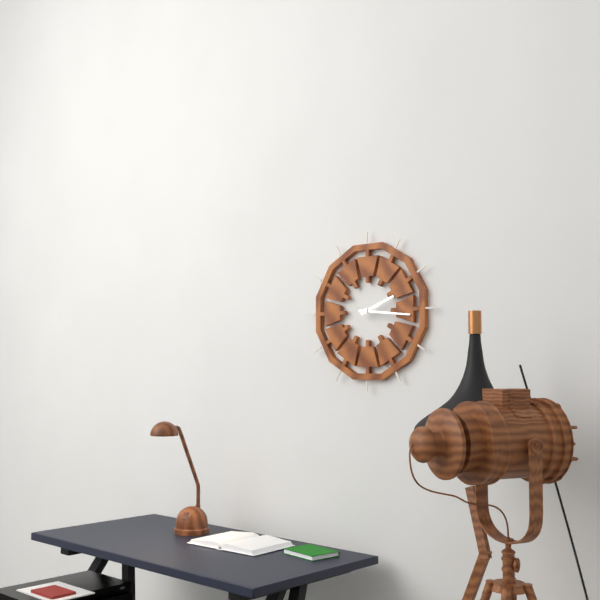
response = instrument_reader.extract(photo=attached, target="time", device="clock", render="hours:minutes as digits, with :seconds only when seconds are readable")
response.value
2:16
